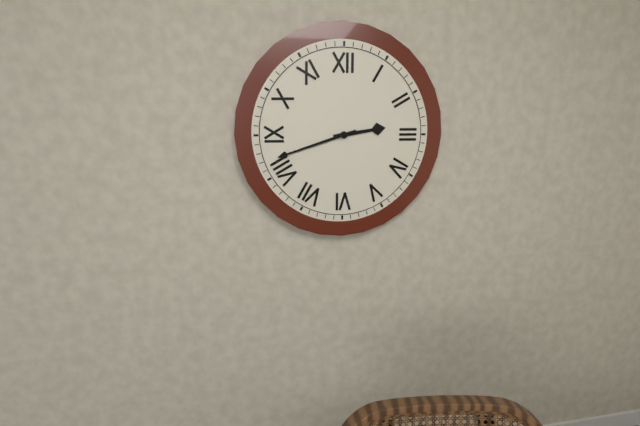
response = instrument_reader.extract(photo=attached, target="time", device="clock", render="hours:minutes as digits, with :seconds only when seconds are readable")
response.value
2:42
